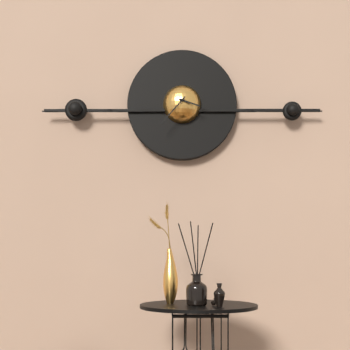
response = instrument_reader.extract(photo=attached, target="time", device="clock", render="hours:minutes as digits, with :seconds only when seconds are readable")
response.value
3:37
